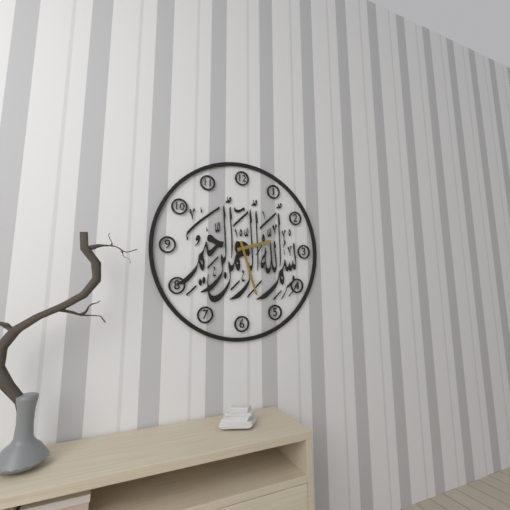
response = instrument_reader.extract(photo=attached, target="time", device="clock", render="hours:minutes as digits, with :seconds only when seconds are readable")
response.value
2:27
